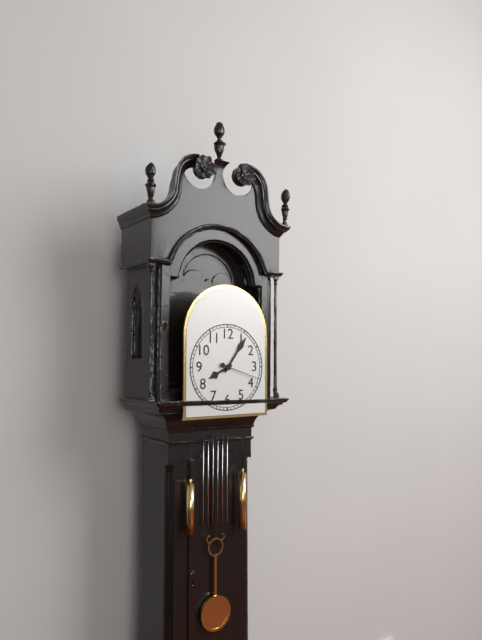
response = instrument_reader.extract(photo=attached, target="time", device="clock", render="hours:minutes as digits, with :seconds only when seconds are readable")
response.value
8:06
